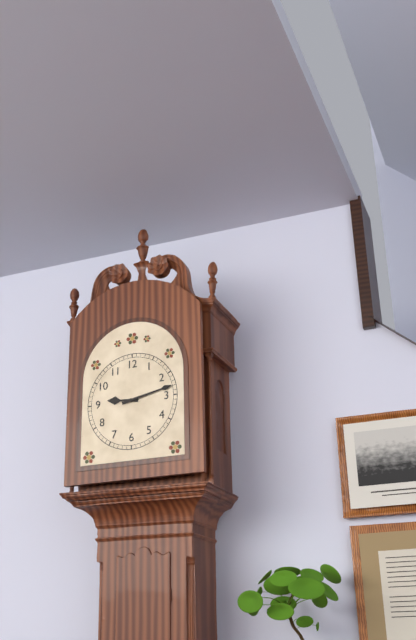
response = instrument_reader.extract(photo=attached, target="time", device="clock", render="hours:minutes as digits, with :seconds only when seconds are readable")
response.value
9:13
